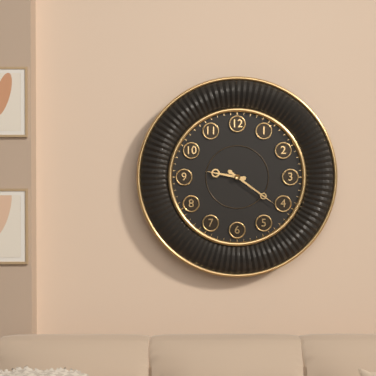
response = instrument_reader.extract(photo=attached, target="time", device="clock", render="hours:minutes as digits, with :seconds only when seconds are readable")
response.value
9:21
